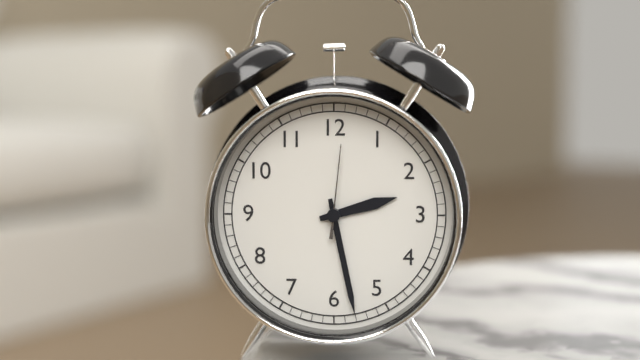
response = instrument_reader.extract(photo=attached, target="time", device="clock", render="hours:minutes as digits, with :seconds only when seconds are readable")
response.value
2:28:01
